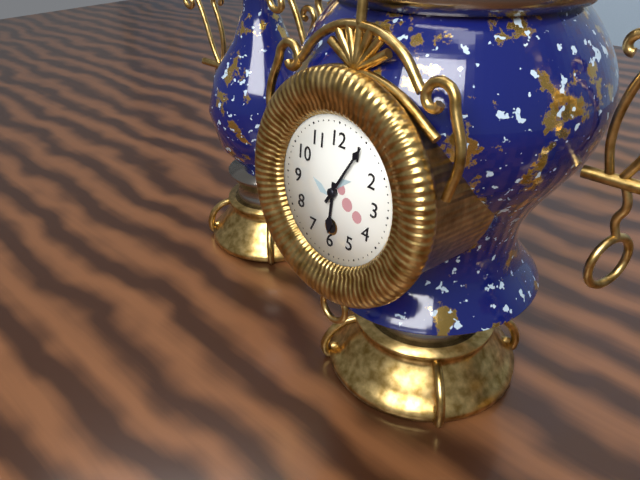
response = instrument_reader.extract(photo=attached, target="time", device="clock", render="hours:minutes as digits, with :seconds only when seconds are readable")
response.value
6:05
